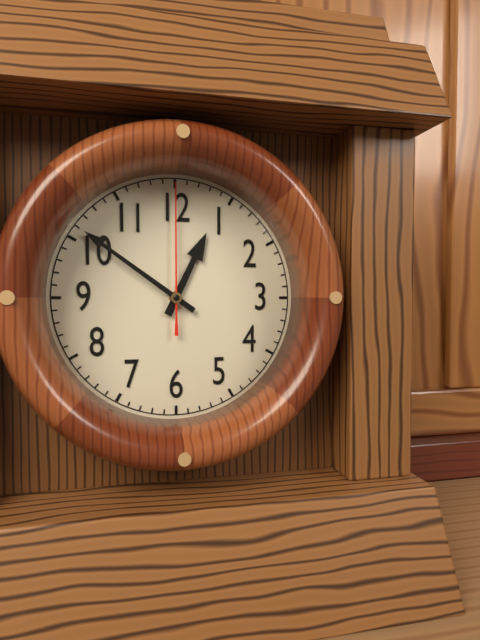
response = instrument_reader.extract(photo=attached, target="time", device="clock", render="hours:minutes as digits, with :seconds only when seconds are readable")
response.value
12:51:00
